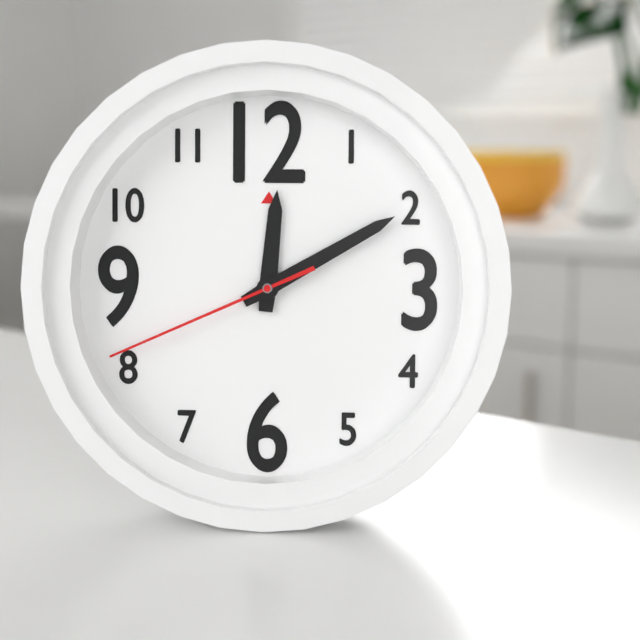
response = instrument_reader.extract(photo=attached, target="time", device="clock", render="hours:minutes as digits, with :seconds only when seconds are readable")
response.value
12:10:41
